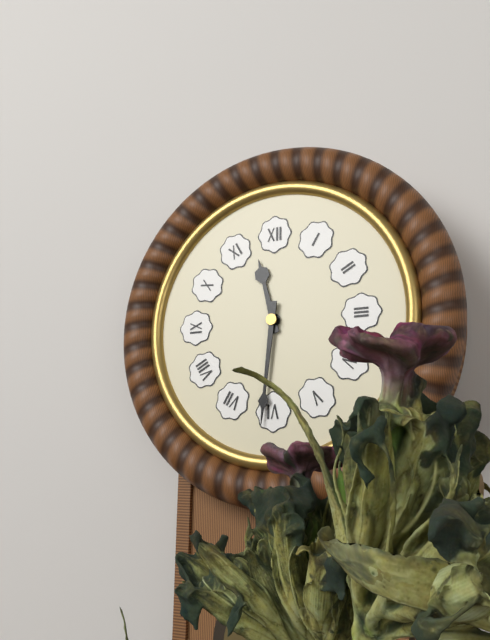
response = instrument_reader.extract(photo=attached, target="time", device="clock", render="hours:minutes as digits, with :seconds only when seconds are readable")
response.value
11:31
